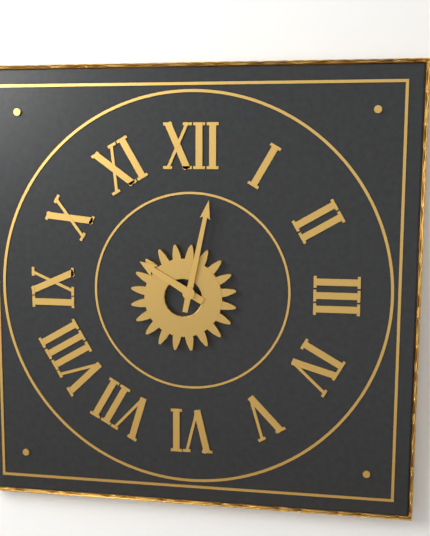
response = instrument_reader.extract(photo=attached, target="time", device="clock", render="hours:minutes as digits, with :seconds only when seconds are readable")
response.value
10:02
